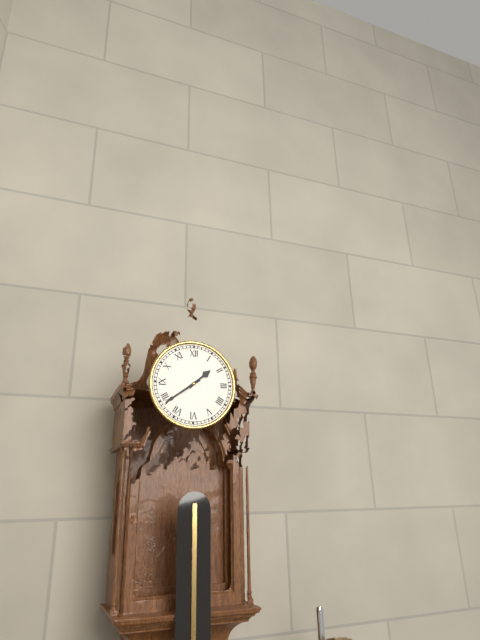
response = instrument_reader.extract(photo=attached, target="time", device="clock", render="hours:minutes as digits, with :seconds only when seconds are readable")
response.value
1:39
